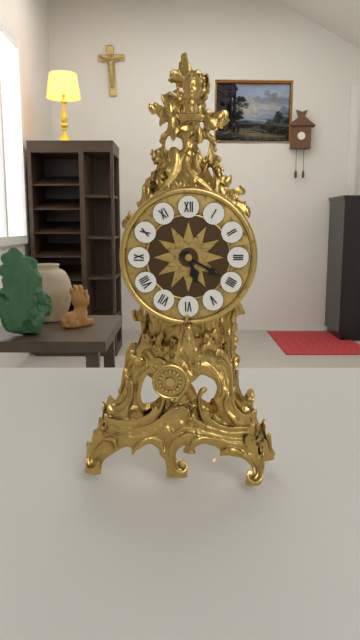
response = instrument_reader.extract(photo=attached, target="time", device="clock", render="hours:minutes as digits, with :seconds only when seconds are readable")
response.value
5:20
